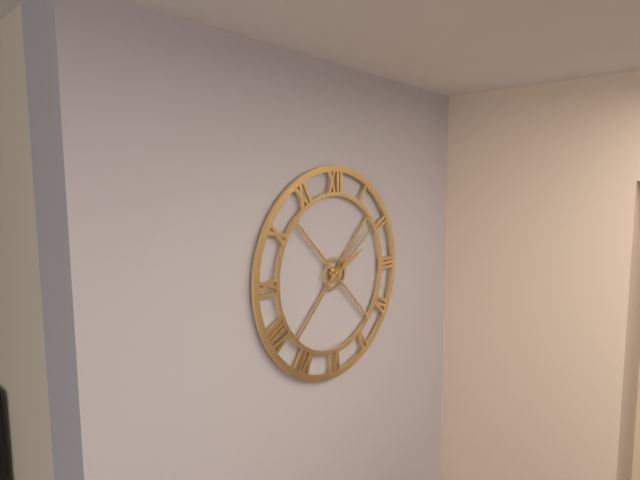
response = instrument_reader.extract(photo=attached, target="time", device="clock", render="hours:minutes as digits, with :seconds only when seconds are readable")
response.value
2:09
